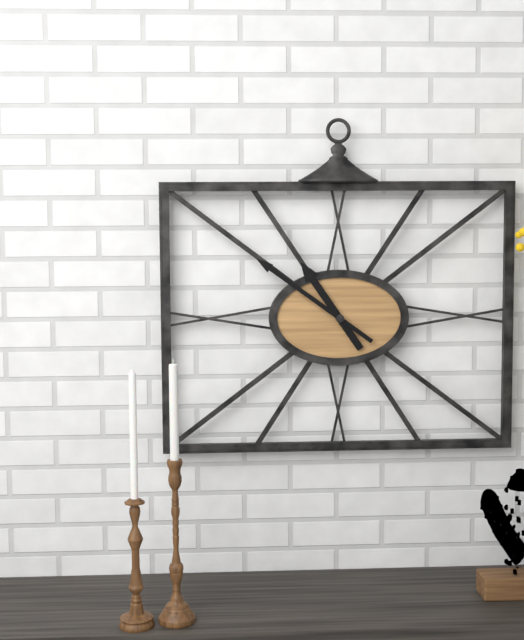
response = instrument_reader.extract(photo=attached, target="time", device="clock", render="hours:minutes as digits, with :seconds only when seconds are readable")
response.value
10:51
